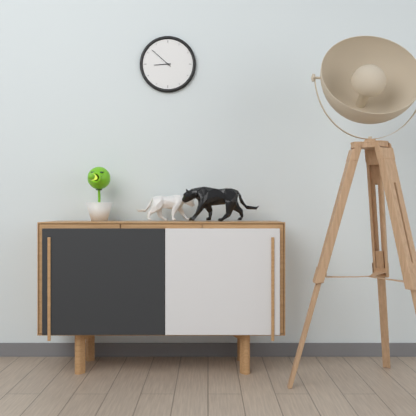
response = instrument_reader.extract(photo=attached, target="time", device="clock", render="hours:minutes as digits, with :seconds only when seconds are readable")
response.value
8:52
